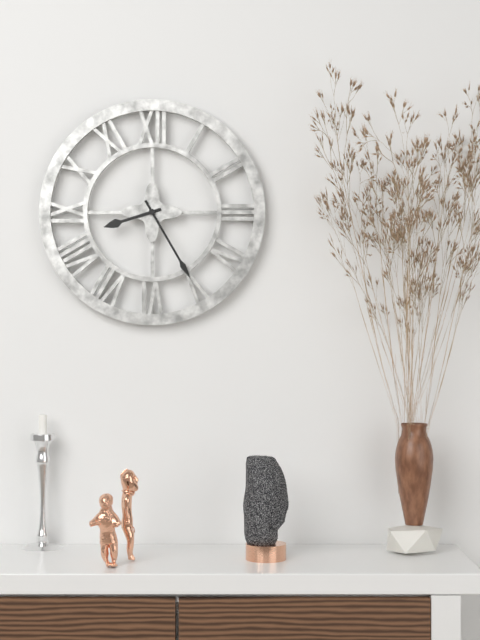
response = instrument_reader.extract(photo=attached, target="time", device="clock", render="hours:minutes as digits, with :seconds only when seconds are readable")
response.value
8:25
